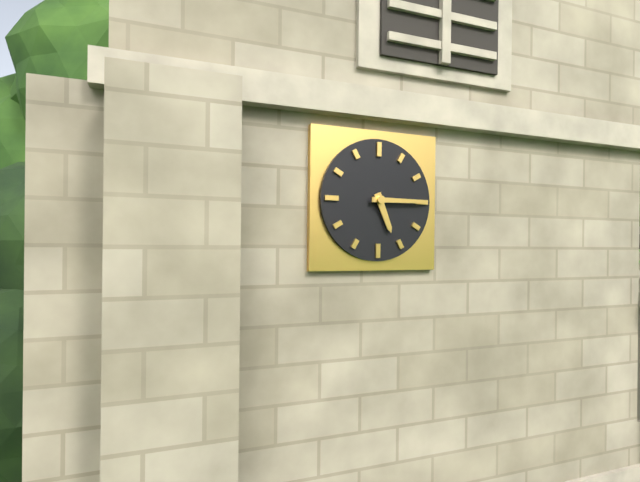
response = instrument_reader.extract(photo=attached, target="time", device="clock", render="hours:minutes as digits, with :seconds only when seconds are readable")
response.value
5:15
